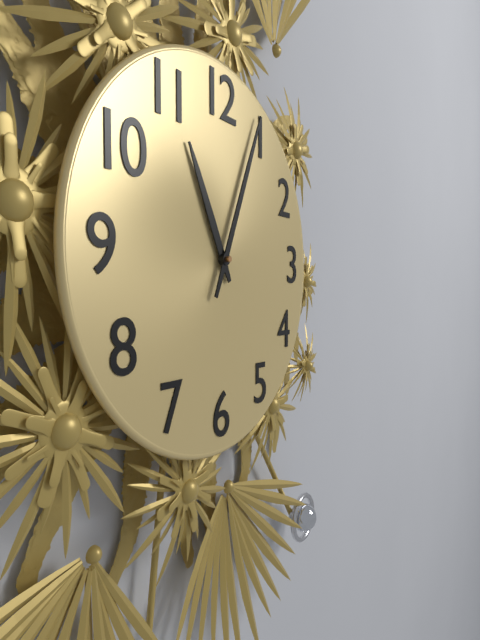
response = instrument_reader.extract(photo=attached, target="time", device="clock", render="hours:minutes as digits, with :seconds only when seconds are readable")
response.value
11:04
